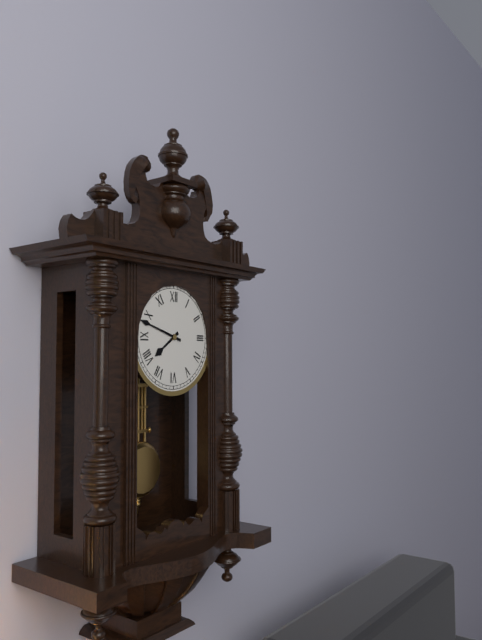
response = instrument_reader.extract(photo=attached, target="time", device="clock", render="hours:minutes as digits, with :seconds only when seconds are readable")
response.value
7:48
